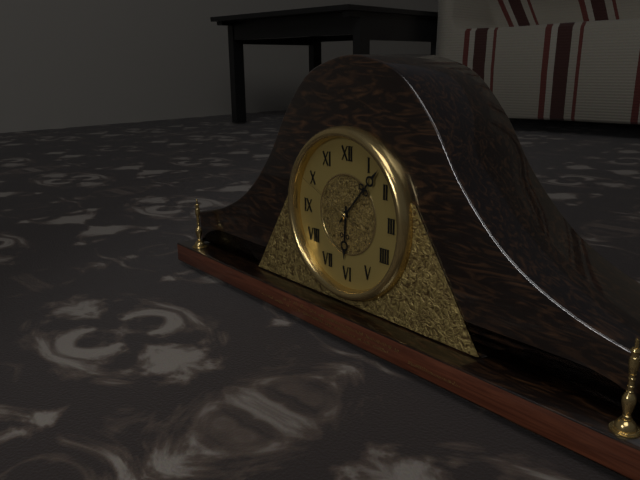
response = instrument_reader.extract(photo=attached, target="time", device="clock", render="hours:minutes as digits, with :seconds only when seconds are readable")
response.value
6:07:49
